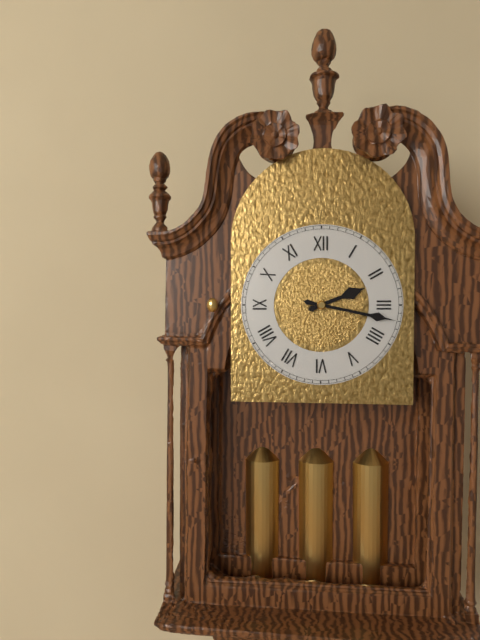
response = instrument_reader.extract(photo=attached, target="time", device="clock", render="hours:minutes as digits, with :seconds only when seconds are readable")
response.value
2:17
